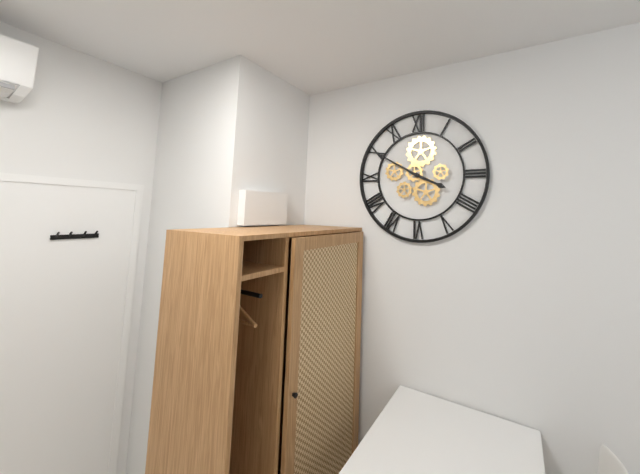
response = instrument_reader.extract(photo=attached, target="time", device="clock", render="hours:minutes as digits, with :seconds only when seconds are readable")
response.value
3:50
